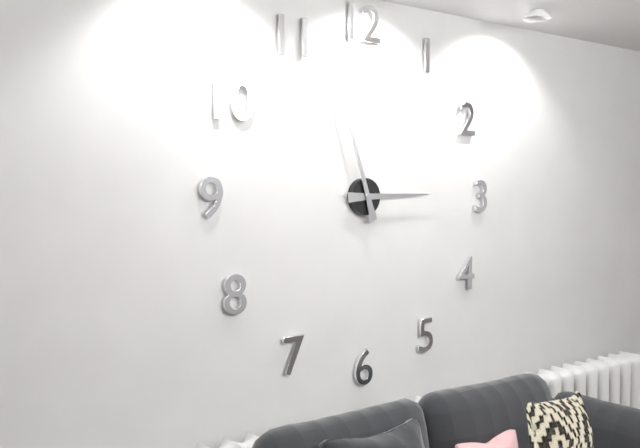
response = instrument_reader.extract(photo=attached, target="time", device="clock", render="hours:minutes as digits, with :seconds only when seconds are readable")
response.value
2:57
